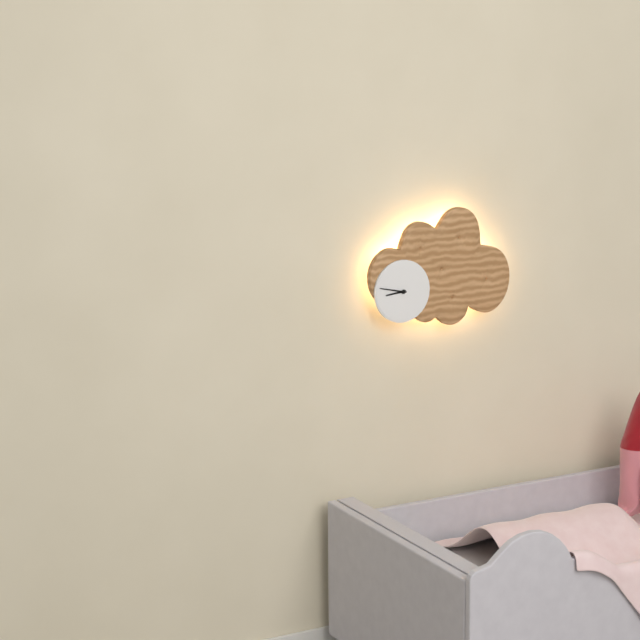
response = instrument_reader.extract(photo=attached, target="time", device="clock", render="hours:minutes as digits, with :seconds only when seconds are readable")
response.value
8:47
